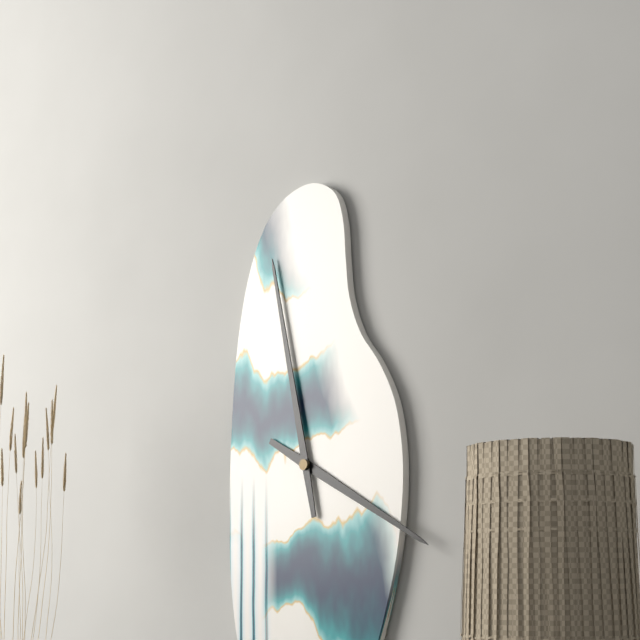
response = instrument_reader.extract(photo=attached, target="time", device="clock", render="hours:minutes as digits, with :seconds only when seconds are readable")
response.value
3:58
